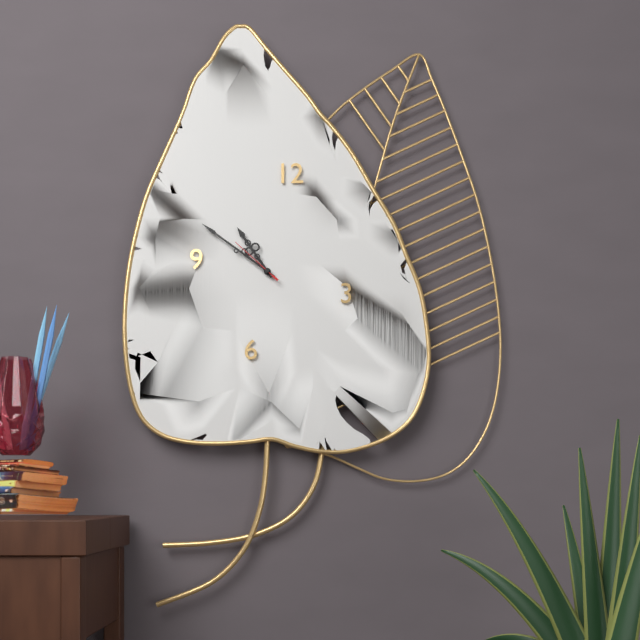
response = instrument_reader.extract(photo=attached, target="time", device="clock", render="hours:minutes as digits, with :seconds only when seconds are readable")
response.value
10:51:52
